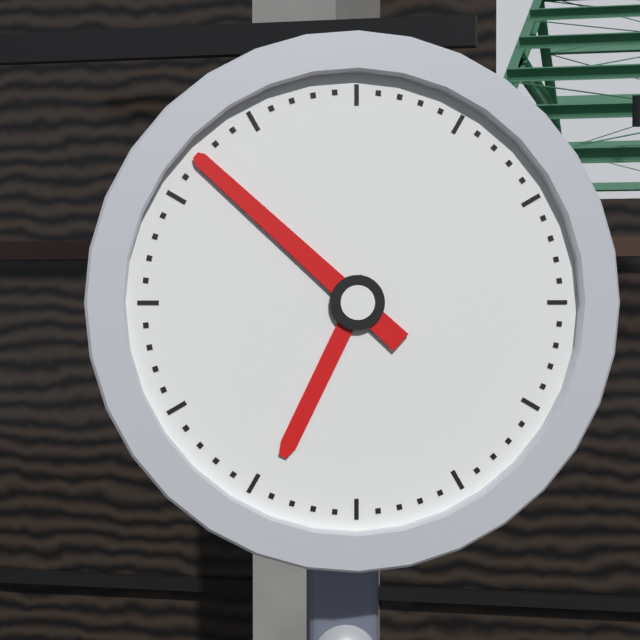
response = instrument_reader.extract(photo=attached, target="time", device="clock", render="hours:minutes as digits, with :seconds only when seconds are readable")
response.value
6:52
